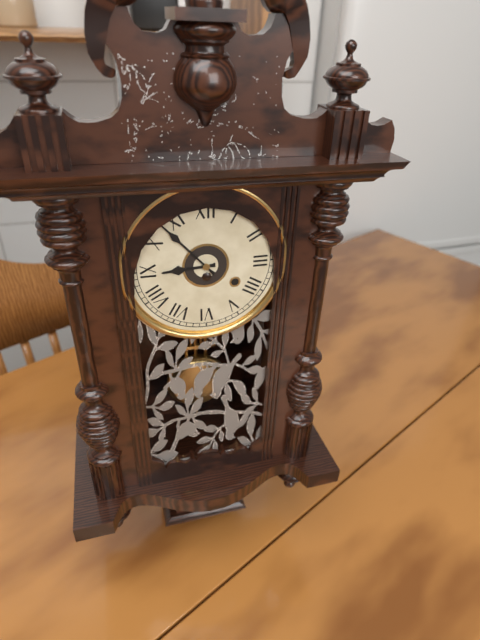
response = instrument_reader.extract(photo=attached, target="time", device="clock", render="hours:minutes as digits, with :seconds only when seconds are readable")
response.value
8:53
